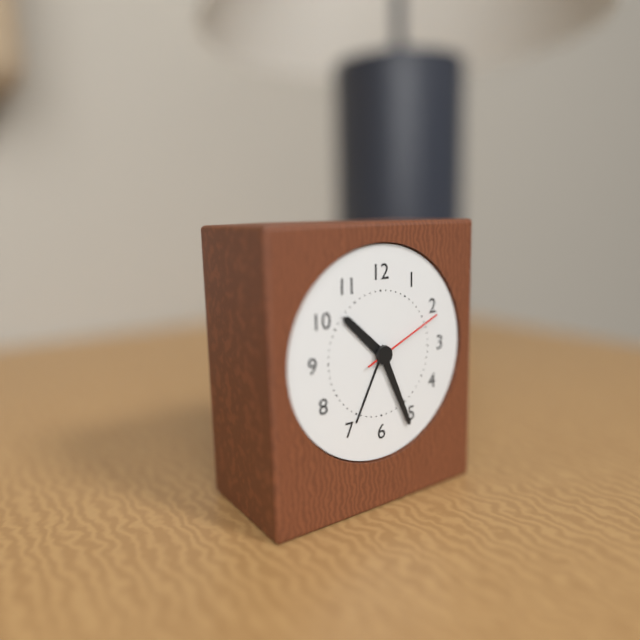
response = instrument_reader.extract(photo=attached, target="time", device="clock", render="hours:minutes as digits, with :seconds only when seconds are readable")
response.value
10:26:11
